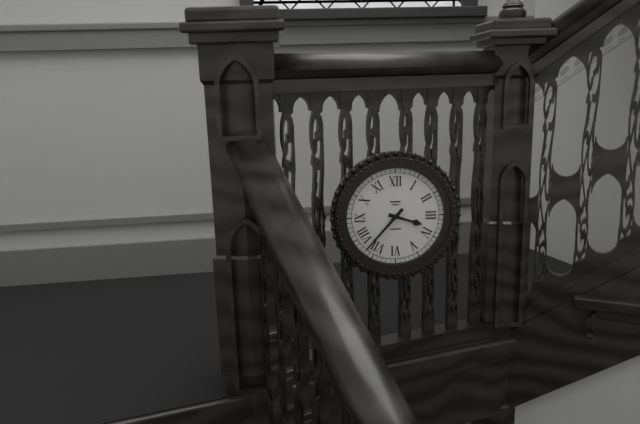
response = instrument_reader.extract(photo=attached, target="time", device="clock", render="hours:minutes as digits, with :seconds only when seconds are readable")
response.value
3:37
